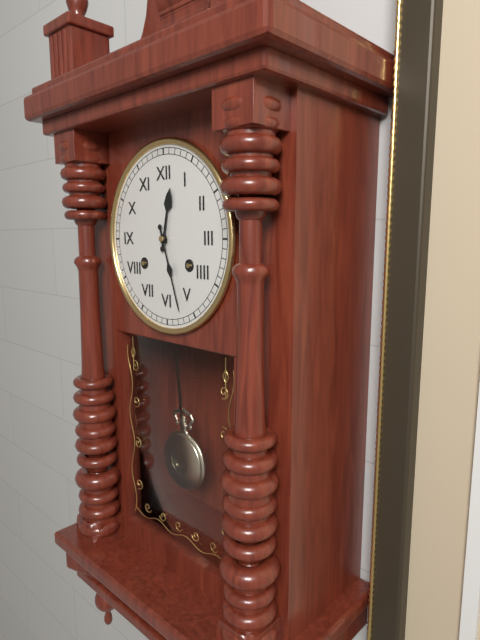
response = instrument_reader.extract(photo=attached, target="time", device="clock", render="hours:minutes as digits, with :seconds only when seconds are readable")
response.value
12:27
